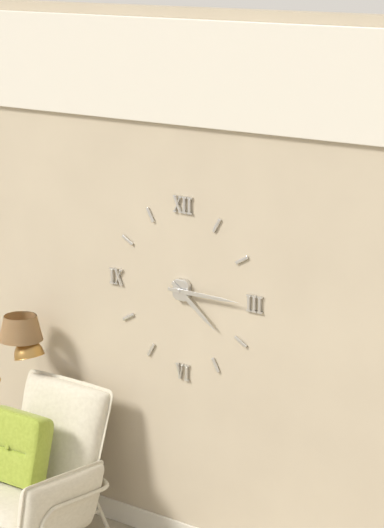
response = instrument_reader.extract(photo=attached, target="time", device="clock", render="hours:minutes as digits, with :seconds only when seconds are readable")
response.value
4:15
